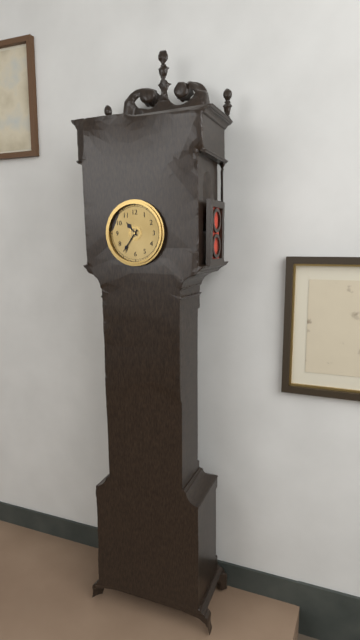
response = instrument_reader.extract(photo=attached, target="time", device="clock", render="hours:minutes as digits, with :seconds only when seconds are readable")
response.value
10:36
